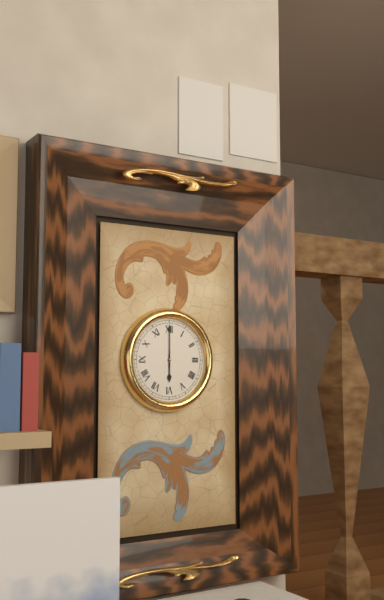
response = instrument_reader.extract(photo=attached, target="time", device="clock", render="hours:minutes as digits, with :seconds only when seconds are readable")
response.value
6:00
